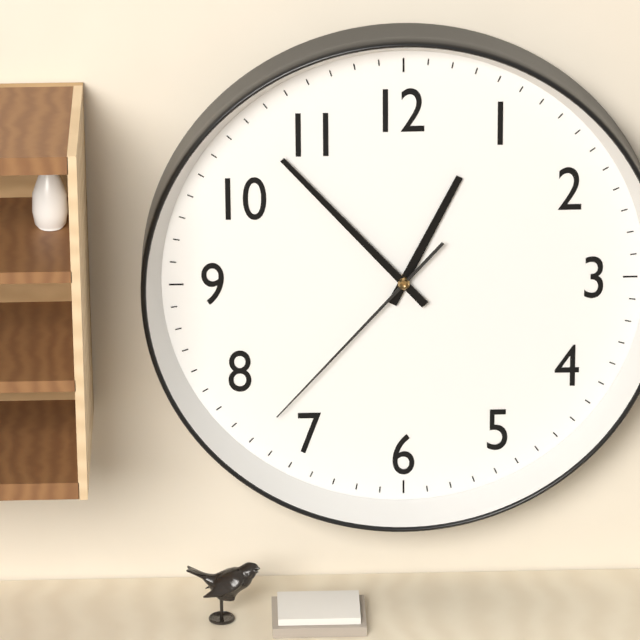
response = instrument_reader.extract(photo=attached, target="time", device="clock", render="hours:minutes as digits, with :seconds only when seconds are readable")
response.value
12:53:37
